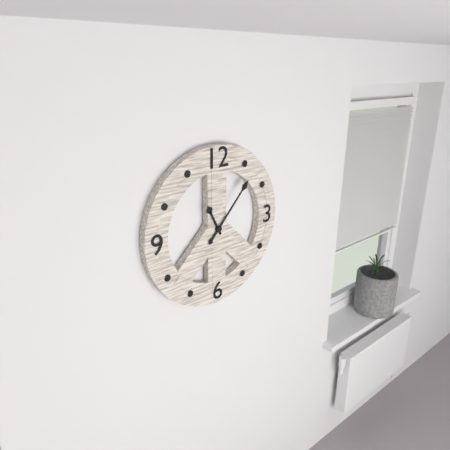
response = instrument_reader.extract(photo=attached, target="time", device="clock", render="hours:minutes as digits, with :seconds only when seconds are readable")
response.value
11:07
